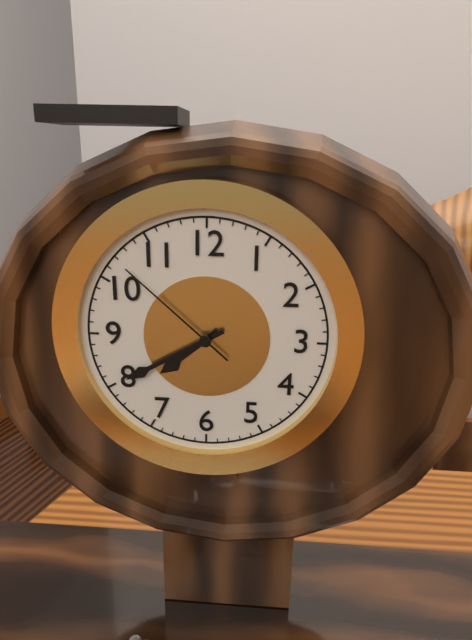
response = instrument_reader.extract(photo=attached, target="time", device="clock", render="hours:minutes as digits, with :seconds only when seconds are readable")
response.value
7:40:52
